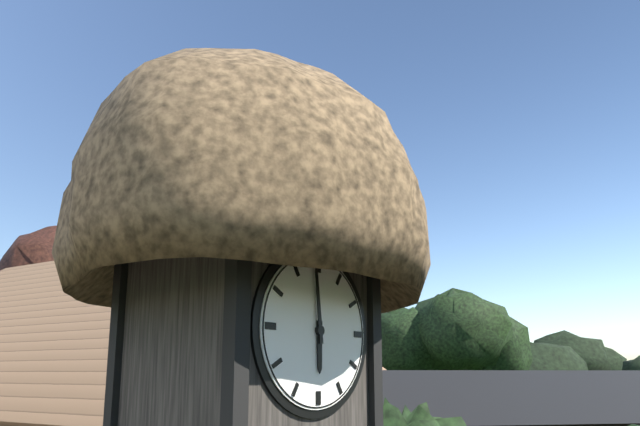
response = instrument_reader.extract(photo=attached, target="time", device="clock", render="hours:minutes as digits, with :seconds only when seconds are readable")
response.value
5:59
